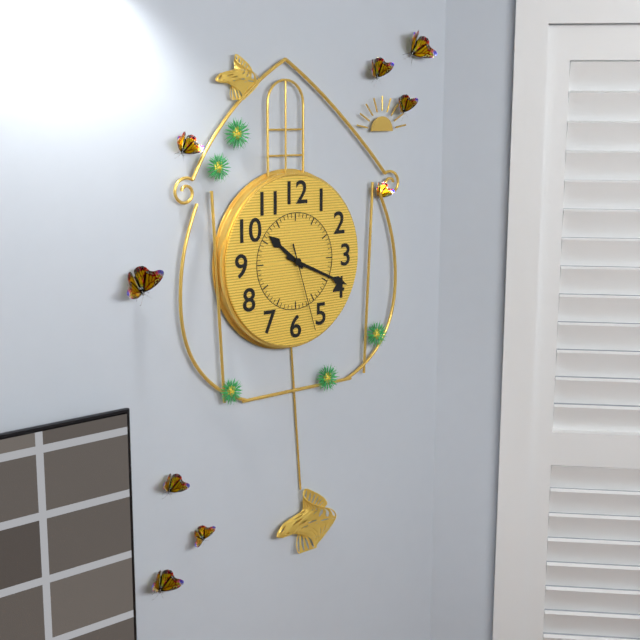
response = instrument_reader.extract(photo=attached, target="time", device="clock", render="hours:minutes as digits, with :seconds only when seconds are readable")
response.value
10:19:27
